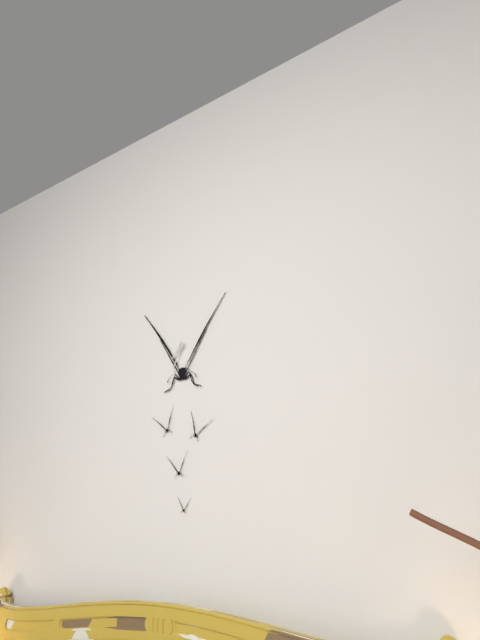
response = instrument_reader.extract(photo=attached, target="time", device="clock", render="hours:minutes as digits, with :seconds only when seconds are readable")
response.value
7:34
